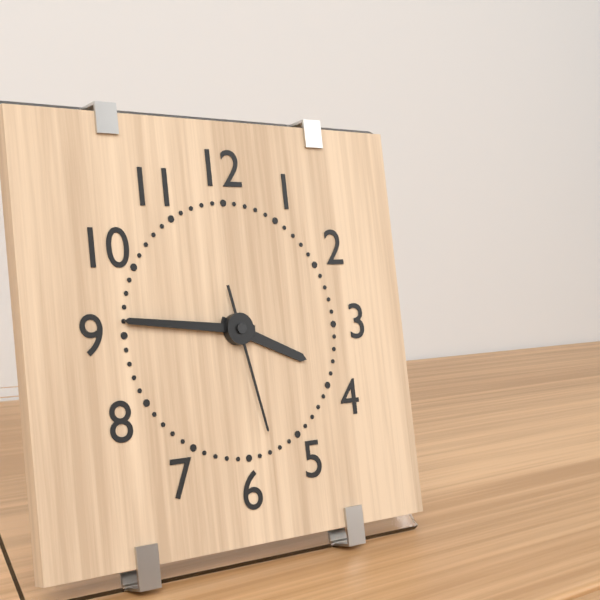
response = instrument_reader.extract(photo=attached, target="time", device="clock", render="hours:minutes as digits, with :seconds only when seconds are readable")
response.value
3:46:28
